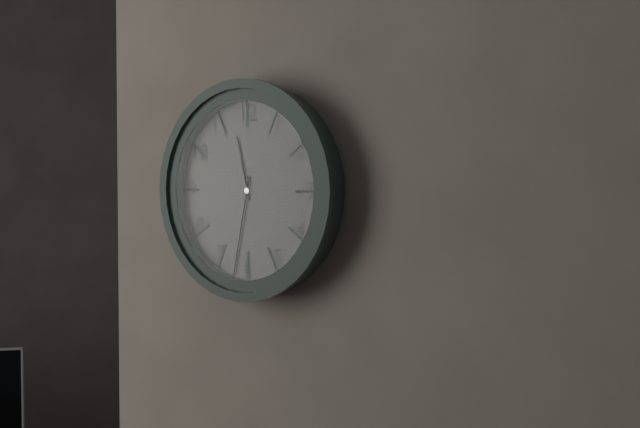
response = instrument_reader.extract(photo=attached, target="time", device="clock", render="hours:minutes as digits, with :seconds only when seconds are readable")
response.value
11:32
